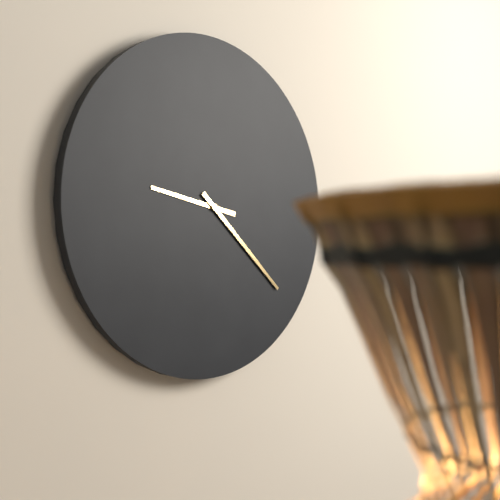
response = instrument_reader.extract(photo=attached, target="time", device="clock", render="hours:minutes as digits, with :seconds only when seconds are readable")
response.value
9:22
